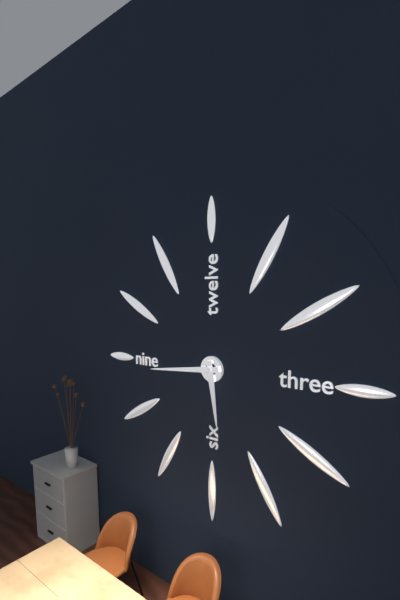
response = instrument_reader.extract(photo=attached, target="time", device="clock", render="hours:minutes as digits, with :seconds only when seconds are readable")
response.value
5:44
